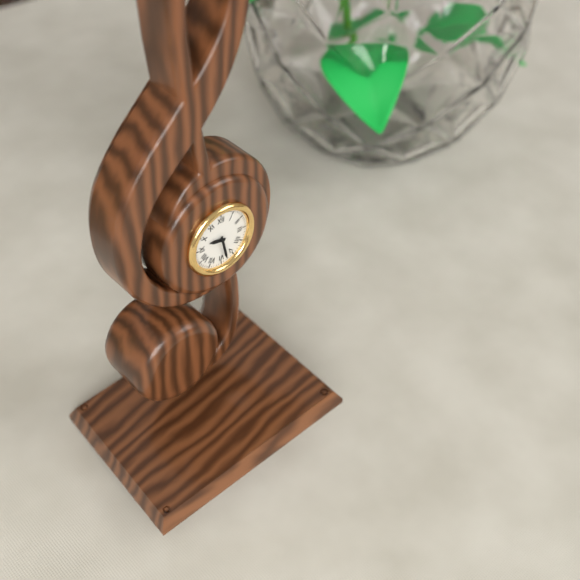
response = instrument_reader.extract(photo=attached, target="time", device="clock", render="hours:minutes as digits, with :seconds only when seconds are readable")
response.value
9:28
